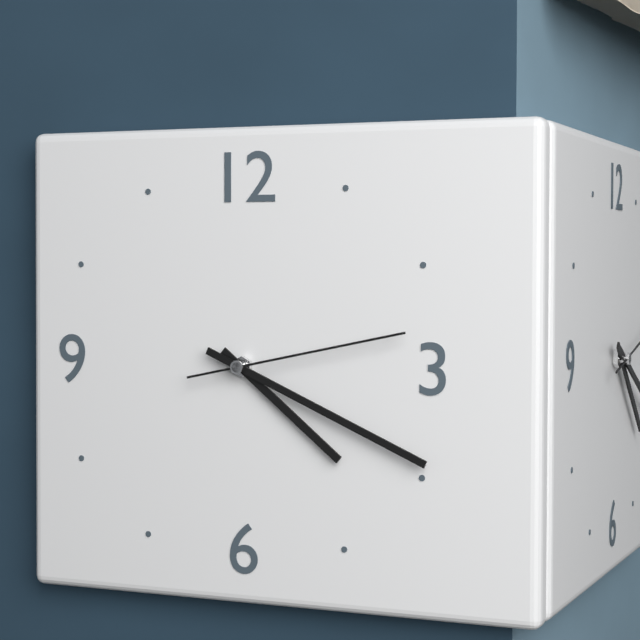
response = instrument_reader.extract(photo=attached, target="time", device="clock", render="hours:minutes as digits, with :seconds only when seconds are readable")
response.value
4:19:13
